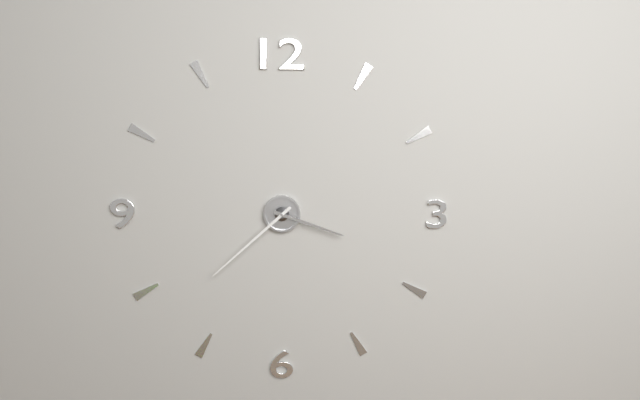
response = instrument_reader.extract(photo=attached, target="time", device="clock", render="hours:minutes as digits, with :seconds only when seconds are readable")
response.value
3:38
